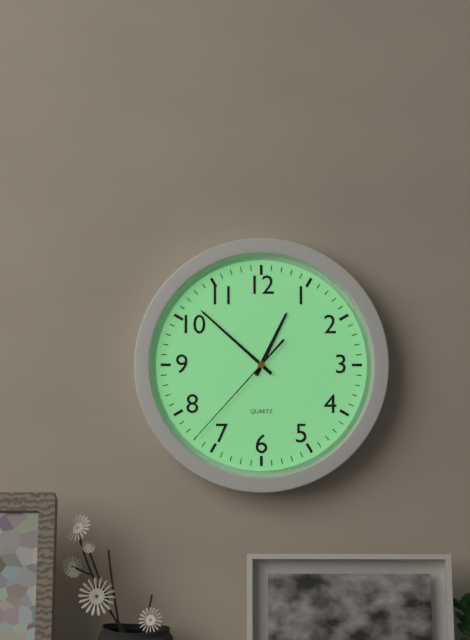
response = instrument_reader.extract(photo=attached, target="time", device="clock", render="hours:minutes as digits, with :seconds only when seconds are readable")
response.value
12:52:37
